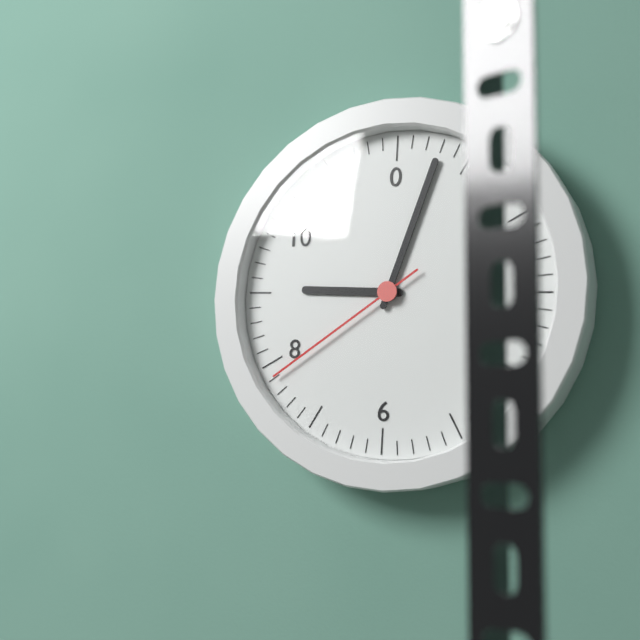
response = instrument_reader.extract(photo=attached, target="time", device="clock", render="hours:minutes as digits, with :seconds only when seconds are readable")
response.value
9:03:39
